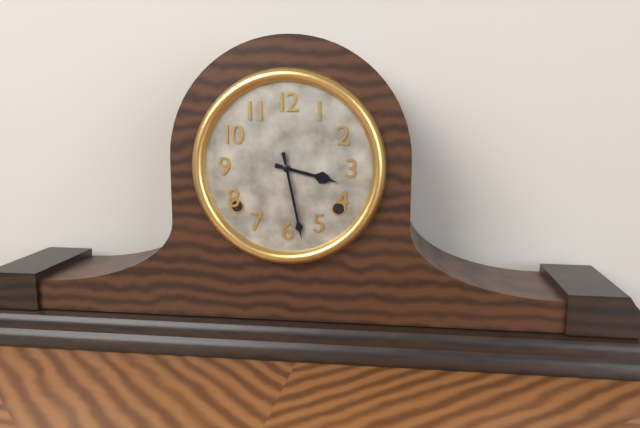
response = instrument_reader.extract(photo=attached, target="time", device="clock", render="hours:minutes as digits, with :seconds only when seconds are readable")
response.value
3:28
